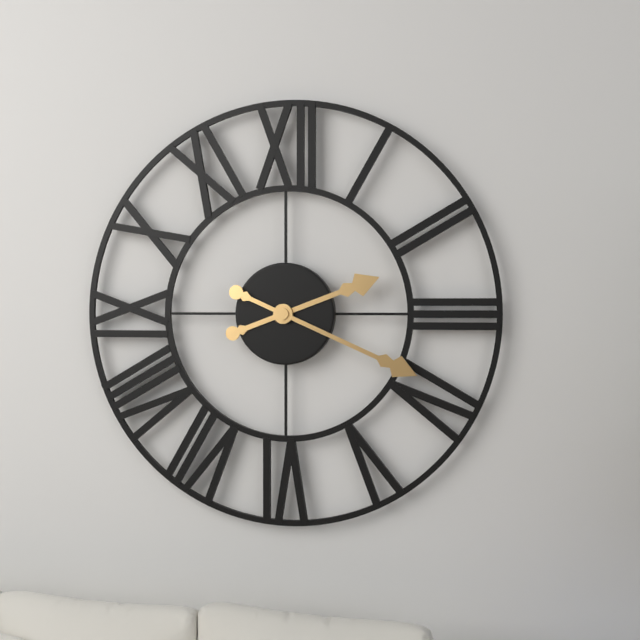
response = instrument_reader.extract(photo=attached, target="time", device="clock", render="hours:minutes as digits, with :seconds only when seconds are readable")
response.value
2:19
